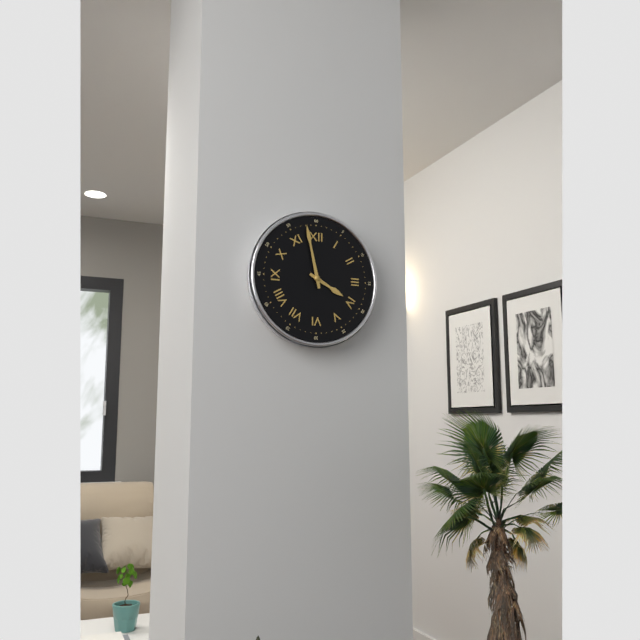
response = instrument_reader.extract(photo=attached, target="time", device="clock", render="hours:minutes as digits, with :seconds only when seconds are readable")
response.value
3:58
